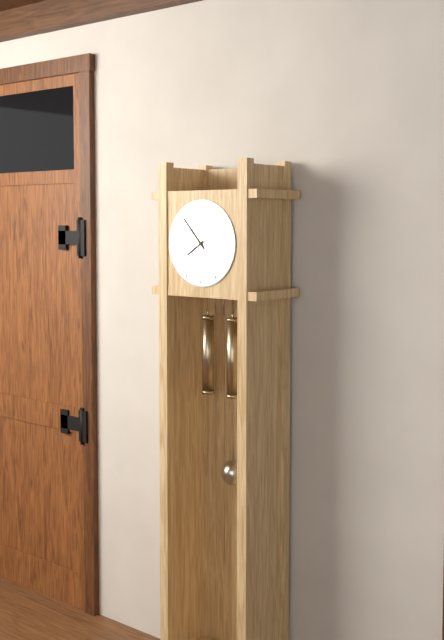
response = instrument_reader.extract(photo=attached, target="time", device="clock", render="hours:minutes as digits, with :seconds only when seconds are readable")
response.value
7:53
